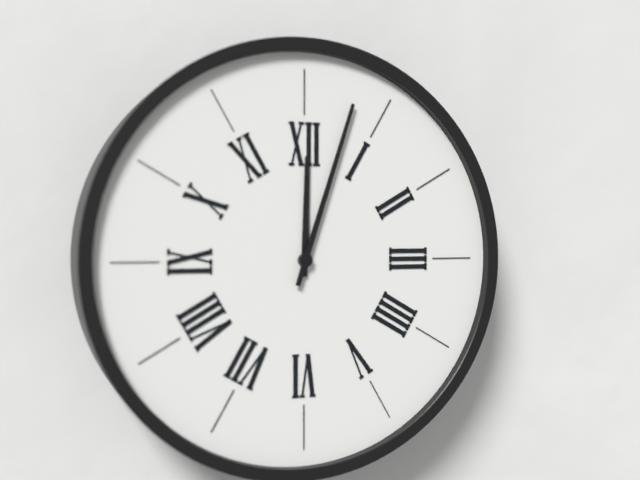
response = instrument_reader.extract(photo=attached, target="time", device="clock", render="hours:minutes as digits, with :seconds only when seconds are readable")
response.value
12:03
